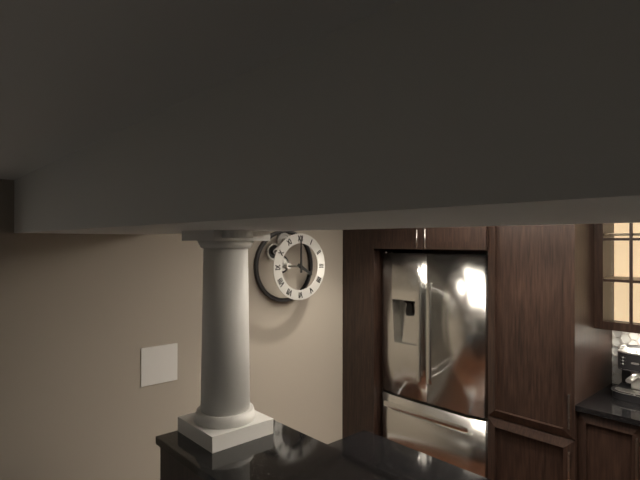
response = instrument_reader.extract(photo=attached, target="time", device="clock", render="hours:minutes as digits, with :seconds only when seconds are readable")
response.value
4:00
